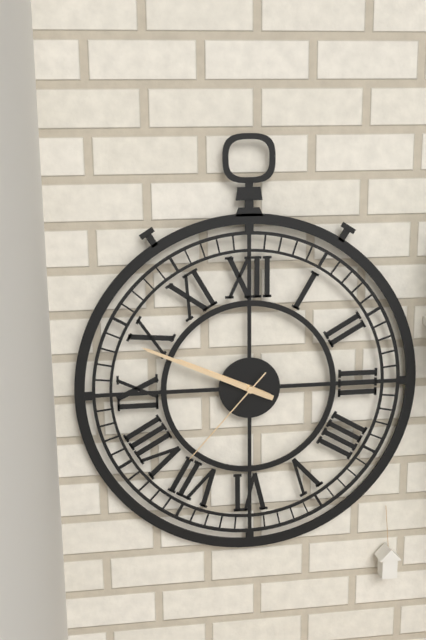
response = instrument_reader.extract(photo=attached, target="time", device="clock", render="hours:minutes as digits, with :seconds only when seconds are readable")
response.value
9:49:37
